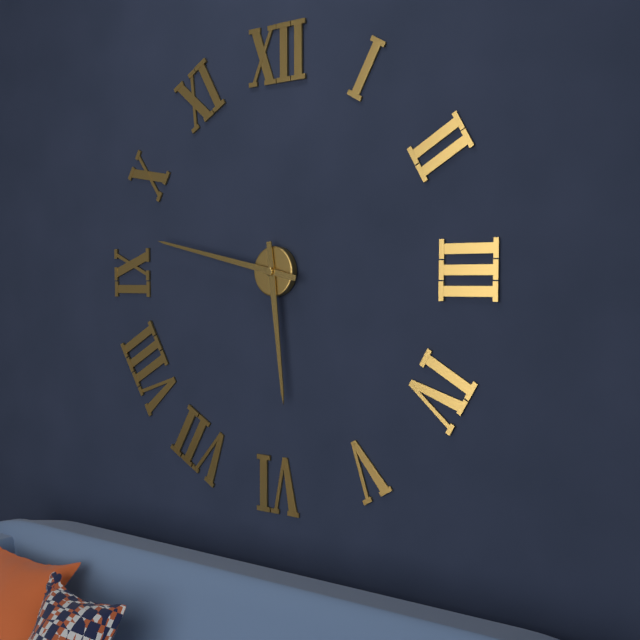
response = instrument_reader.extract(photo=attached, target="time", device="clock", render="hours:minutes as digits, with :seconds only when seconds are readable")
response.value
5:47
